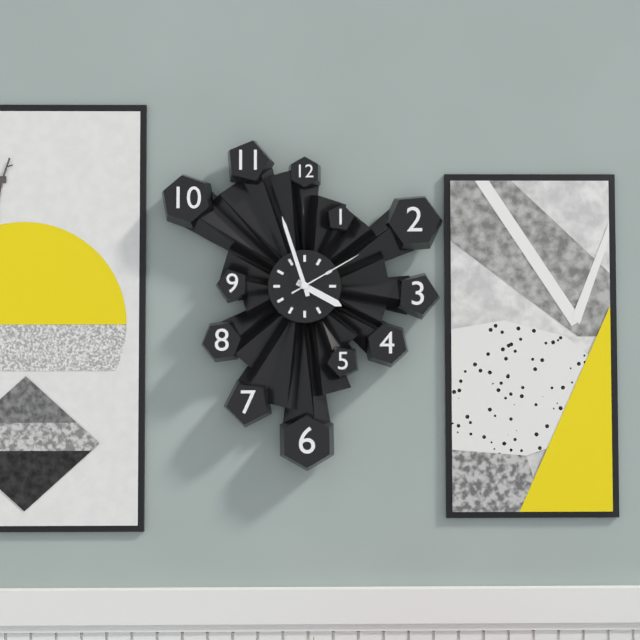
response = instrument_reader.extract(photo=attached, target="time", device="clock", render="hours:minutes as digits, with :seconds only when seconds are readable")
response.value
3:57:10
